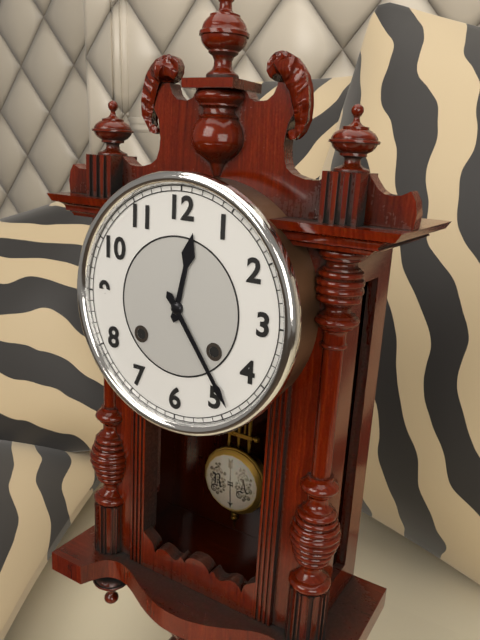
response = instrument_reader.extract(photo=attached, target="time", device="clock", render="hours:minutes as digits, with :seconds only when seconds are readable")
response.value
12:24
